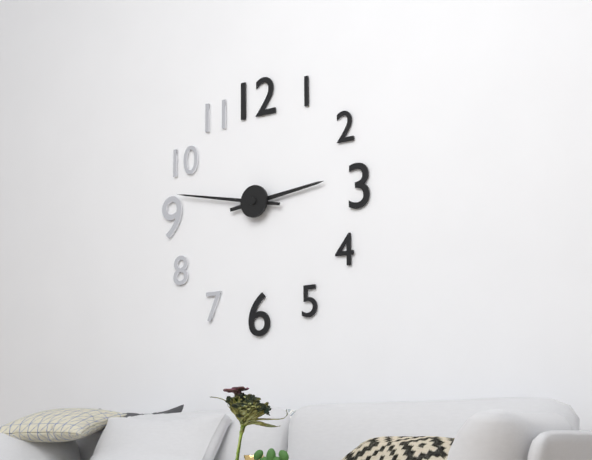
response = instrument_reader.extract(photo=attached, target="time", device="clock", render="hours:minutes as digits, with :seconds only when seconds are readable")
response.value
2:47
